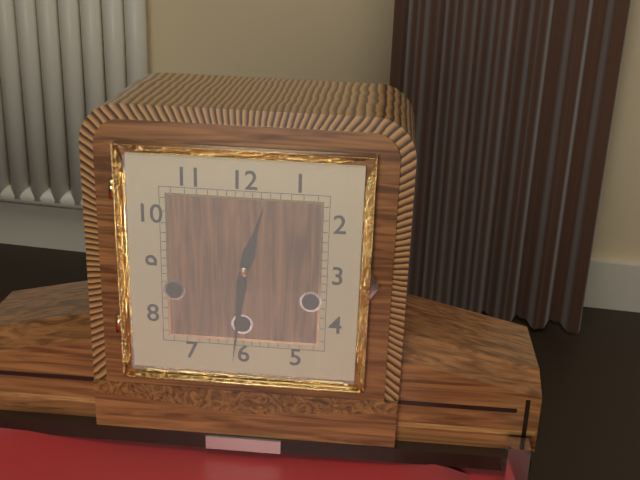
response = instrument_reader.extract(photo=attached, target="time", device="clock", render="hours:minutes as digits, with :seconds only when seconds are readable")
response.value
12:31
